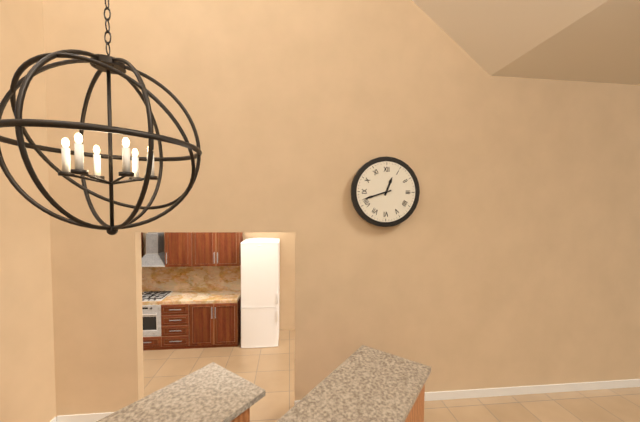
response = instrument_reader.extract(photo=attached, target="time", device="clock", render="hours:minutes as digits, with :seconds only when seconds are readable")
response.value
12:42
